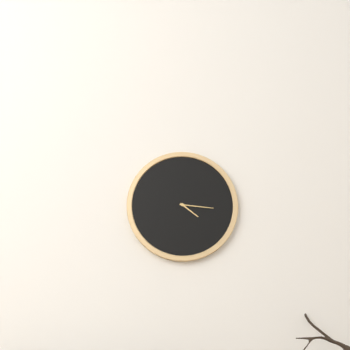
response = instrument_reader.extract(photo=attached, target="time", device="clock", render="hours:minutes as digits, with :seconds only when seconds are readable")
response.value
4:16
